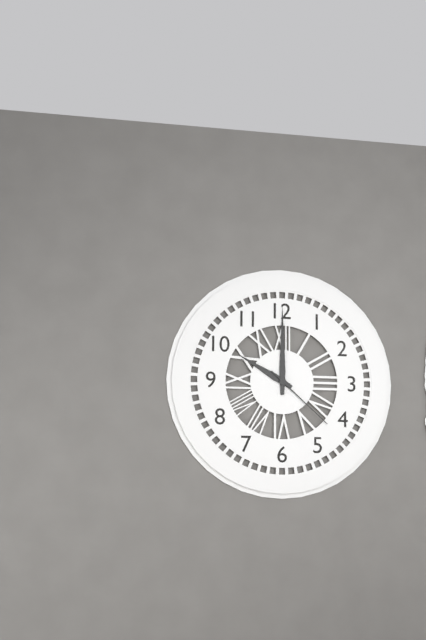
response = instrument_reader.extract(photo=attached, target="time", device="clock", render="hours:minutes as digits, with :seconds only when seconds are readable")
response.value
10:00:22
